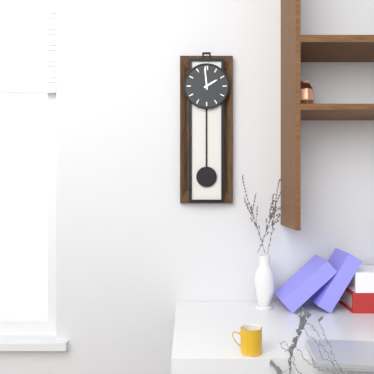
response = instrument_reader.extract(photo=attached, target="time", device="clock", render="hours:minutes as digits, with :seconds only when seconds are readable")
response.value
1:59
